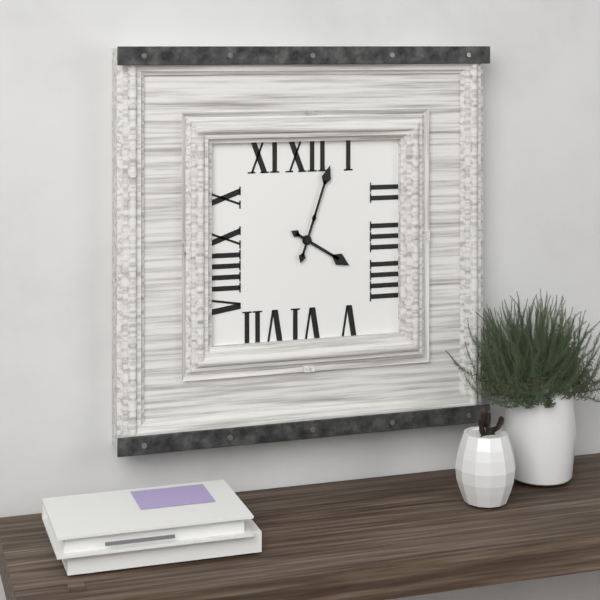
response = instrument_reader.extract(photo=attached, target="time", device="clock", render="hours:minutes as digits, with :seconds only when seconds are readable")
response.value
4:03
